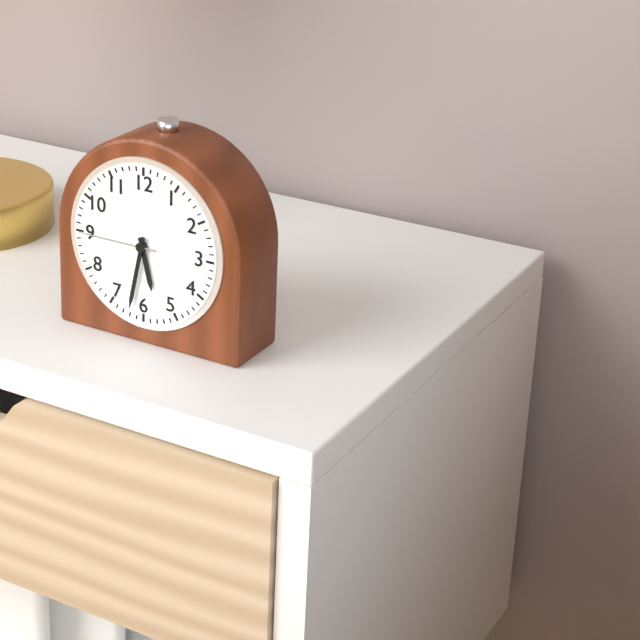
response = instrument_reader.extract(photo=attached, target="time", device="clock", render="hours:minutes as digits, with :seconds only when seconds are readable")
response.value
5:32:45
